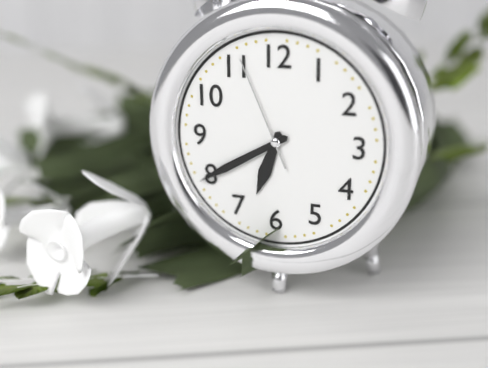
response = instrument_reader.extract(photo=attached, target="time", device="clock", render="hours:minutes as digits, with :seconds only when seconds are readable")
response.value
6:40:56
